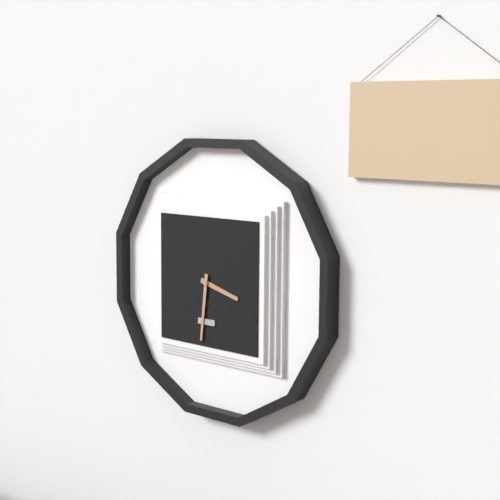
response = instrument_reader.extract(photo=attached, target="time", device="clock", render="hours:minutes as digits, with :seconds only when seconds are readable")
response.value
3:31
